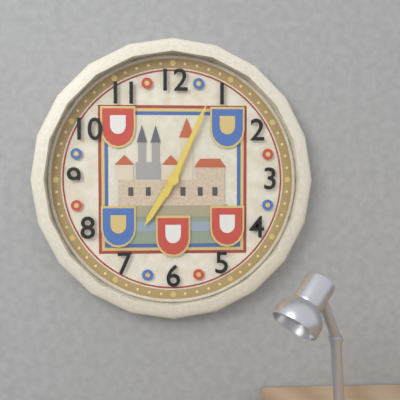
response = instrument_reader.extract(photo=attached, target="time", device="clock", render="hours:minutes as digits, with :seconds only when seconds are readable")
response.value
7:04
